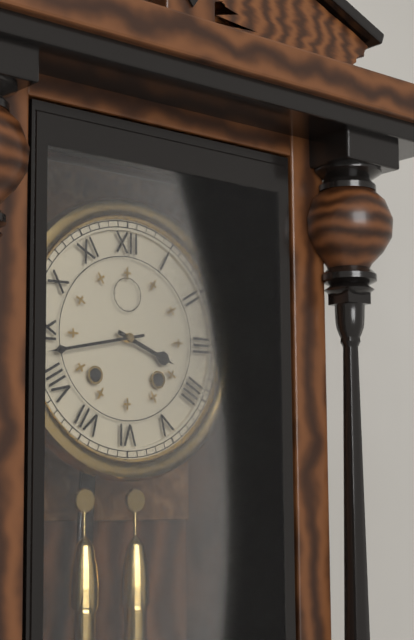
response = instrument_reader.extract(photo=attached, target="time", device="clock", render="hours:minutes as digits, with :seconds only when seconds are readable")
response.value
3:43
